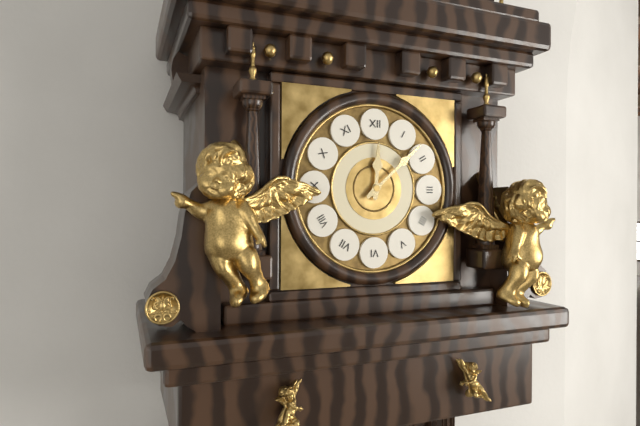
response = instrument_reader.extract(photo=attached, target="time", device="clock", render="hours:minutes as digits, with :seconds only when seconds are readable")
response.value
12:08
